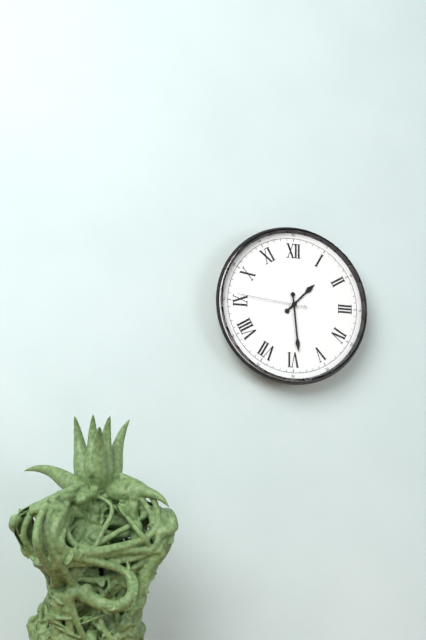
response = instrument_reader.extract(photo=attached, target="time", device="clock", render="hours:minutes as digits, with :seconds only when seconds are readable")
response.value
1:29:46
